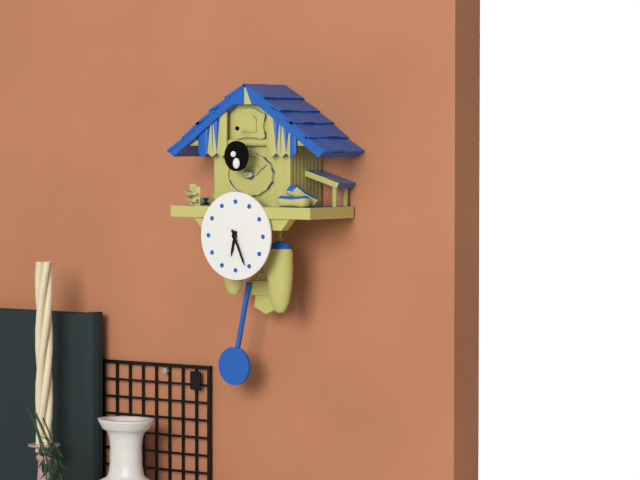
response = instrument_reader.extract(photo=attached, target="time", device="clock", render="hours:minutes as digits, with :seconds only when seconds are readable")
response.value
6:26
